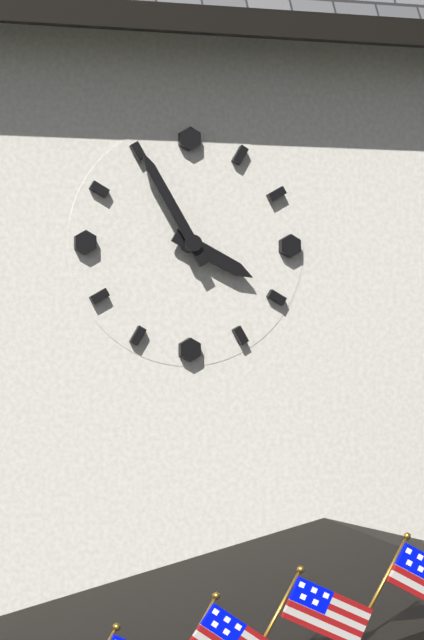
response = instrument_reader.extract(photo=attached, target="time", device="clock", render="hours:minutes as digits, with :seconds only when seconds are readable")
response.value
3:55
